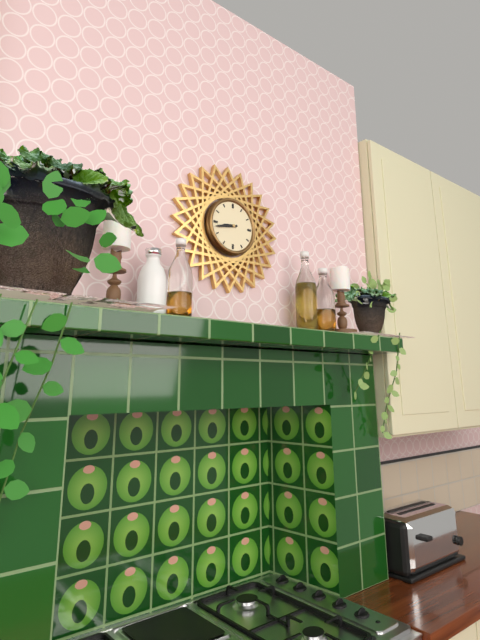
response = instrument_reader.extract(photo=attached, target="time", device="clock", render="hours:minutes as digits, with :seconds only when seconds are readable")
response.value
8:43
